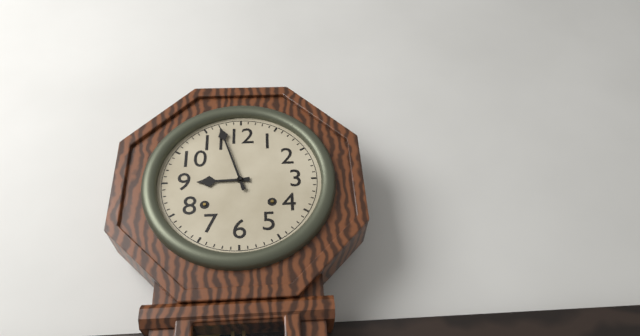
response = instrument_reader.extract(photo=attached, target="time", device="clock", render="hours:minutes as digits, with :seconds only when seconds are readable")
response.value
8:57
